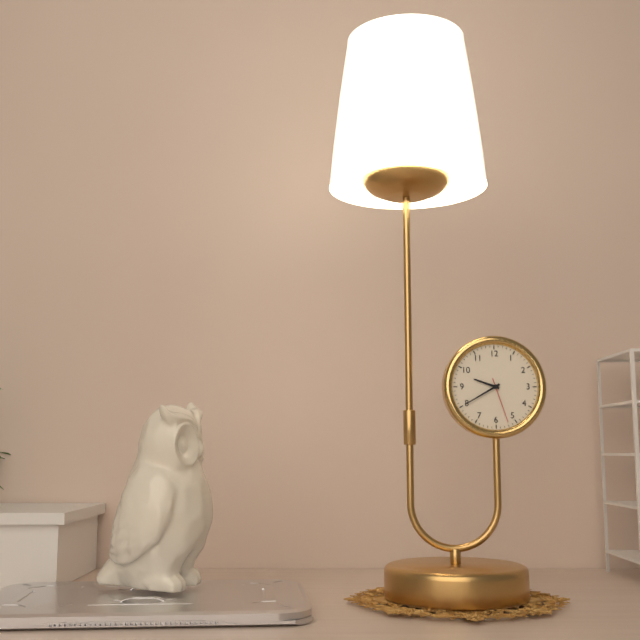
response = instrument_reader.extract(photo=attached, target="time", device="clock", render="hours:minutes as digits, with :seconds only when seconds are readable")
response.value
9:40
